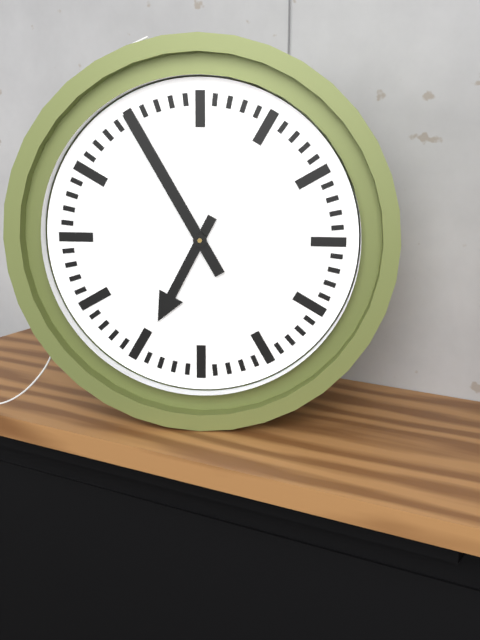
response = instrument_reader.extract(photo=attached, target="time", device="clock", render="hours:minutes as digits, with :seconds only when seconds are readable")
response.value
6:55
